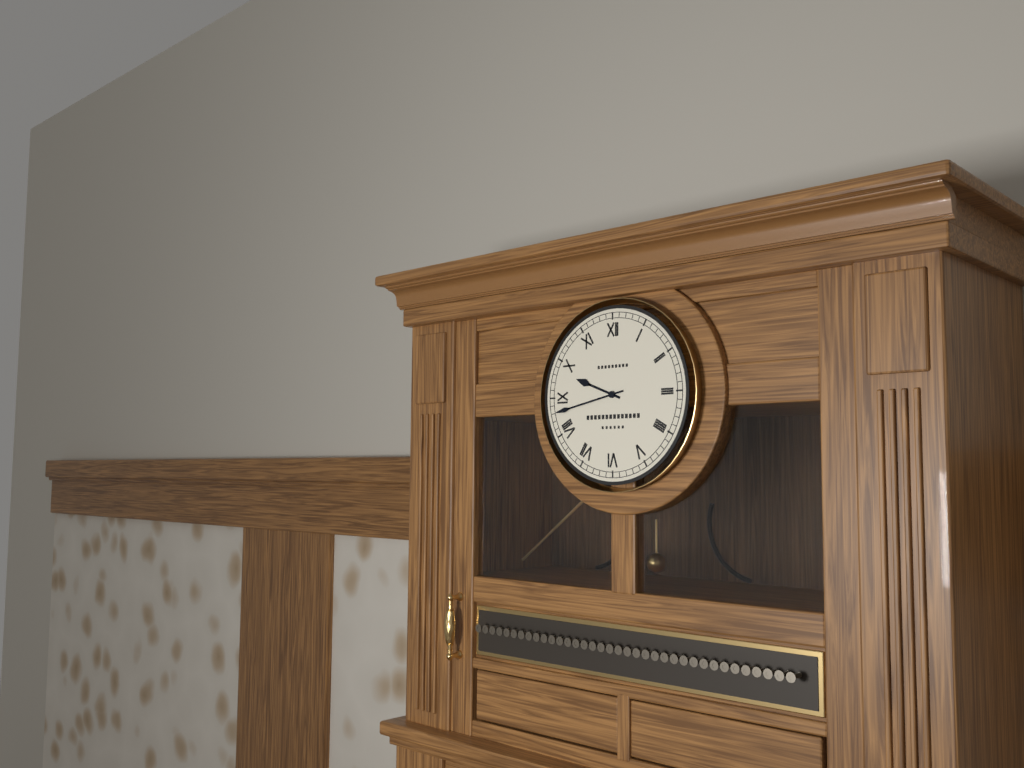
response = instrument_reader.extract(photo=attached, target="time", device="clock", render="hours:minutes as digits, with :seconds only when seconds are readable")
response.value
9:43
